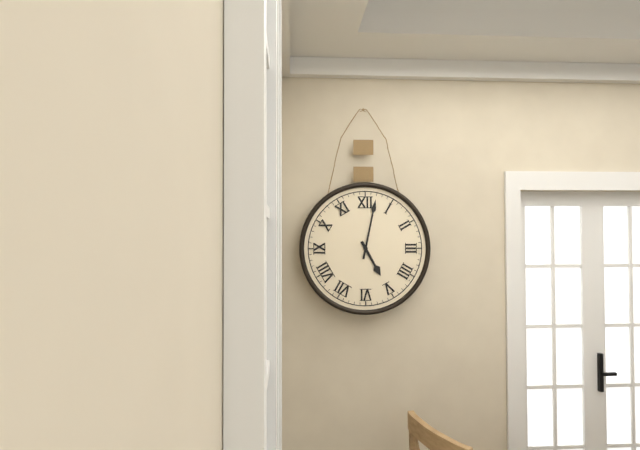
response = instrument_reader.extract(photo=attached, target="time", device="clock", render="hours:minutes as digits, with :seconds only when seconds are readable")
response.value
5:02
